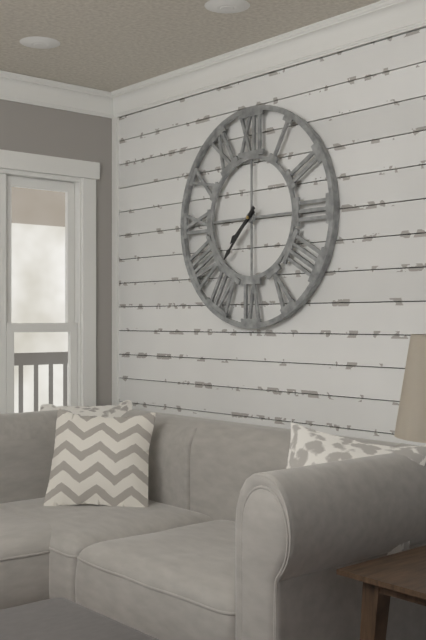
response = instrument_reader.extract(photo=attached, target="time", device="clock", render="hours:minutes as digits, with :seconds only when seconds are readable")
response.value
7:37
